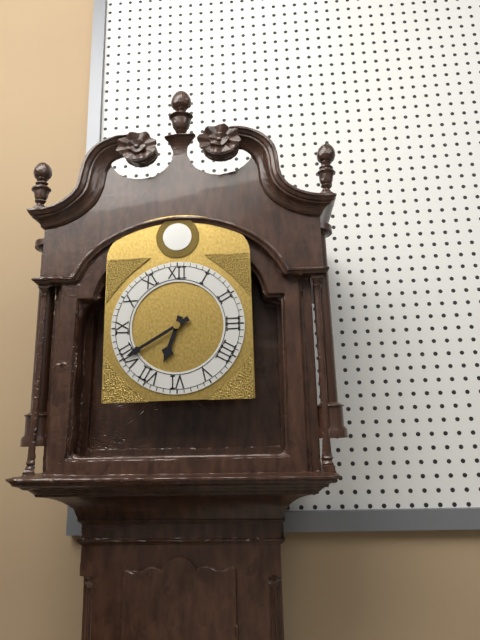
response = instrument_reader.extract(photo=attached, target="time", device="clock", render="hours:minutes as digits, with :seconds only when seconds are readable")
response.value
6:40
